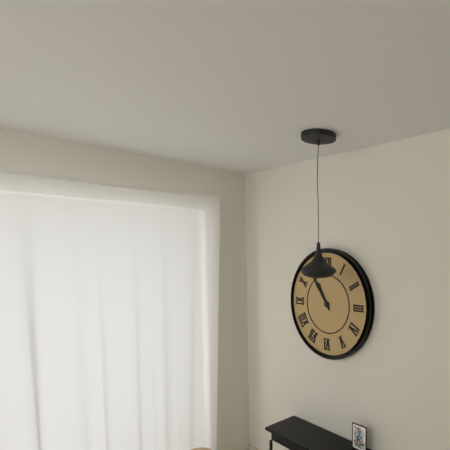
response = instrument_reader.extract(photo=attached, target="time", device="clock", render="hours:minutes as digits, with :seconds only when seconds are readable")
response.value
10:54
